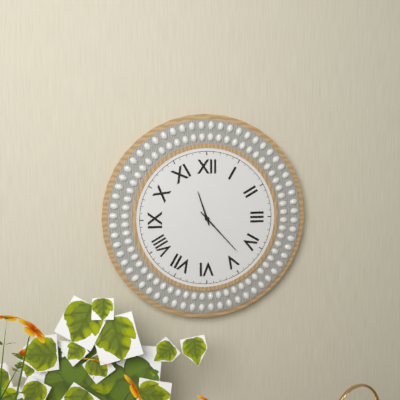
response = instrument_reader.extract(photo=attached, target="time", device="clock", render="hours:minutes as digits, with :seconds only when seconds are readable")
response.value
11:23
